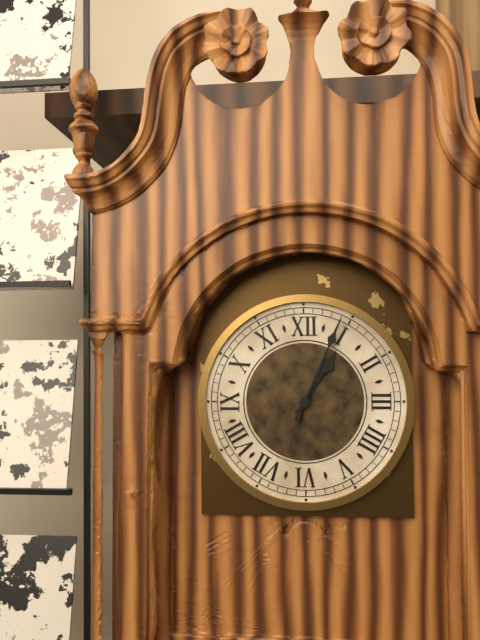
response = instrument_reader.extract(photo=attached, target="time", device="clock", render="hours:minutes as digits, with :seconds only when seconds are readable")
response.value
1:04
